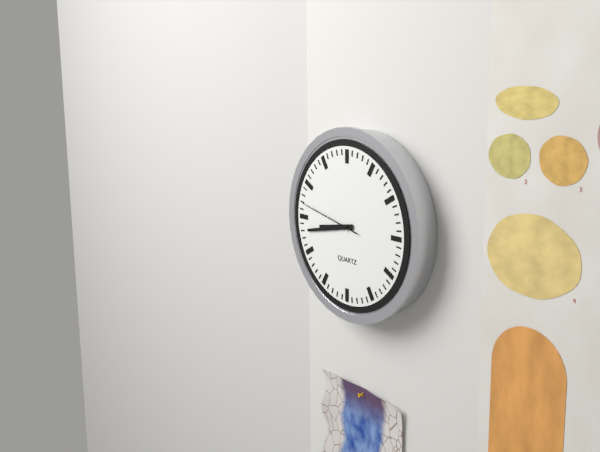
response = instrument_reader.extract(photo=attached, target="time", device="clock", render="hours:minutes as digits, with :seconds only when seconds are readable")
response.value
8:43:47
